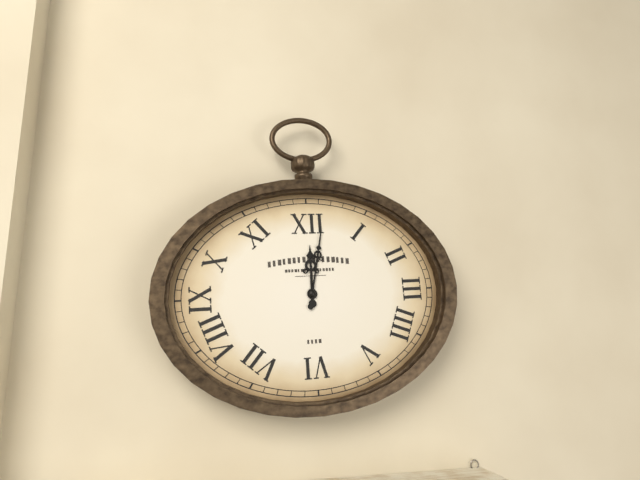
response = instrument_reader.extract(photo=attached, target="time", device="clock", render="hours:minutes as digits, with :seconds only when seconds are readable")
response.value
12:02
